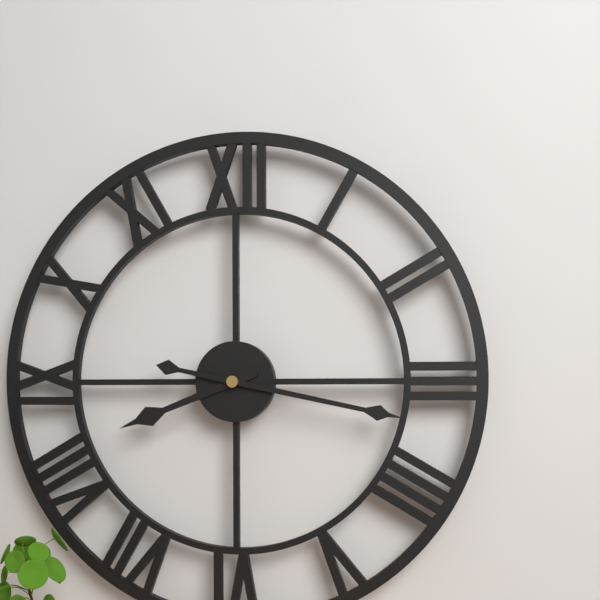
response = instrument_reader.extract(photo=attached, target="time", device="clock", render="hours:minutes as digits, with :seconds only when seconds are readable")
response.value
8:17
